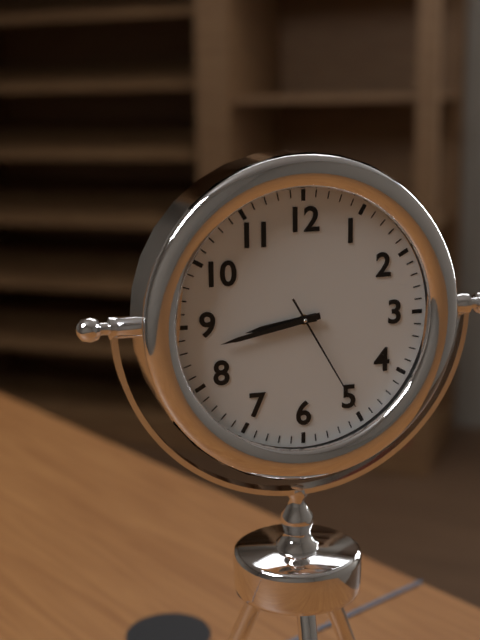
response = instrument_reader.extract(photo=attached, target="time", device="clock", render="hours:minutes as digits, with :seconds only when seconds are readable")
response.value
8:43:25
